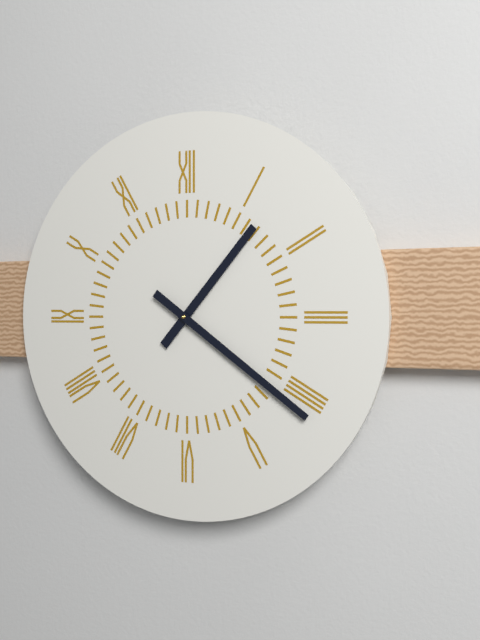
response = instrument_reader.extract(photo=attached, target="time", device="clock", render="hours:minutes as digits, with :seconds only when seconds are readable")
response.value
1:21
